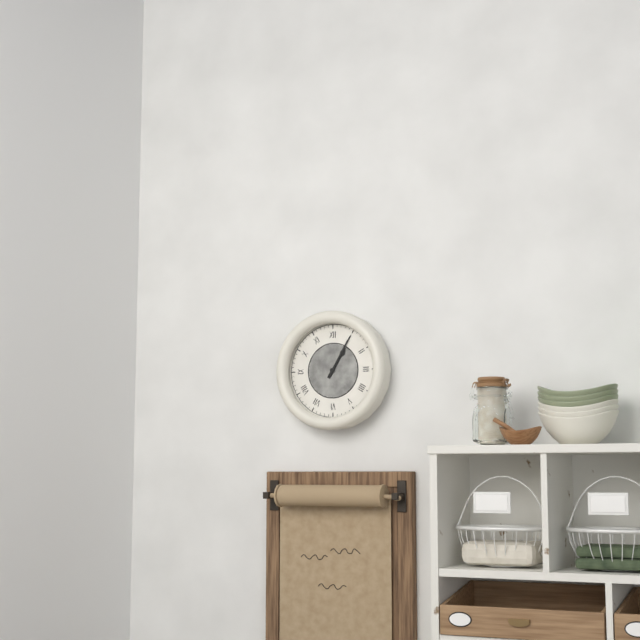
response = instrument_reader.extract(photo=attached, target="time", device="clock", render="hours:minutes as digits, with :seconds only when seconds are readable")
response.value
1:05
